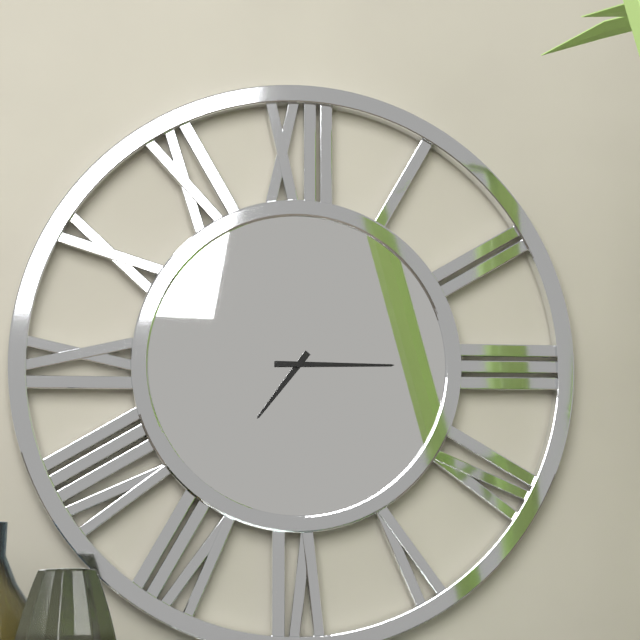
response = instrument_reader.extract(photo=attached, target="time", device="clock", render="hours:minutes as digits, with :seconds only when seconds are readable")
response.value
7:15
